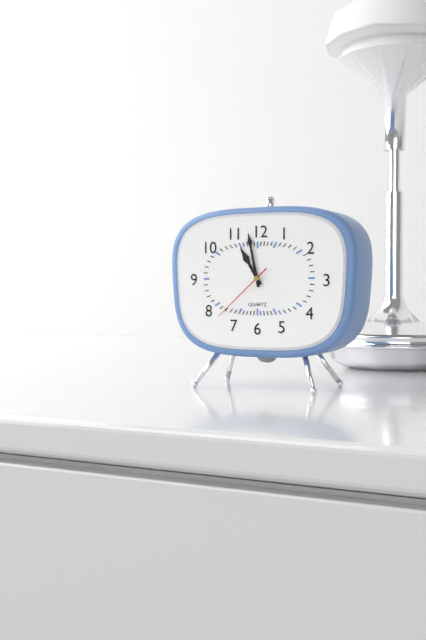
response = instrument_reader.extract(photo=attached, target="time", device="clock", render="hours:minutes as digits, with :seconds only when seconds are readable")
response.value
10:58:38
